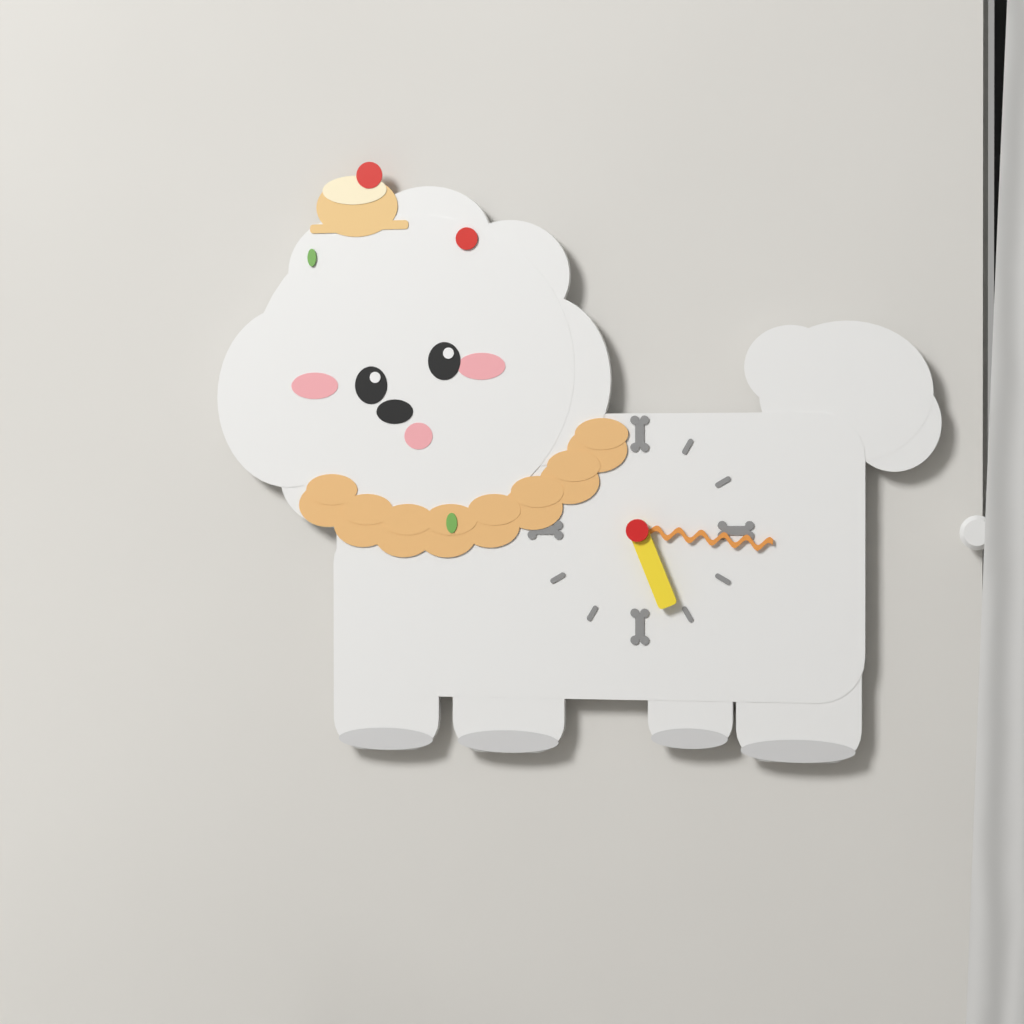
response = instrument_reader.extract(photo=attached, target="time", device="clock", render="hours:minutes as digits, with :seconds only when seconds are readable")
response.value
5:16
